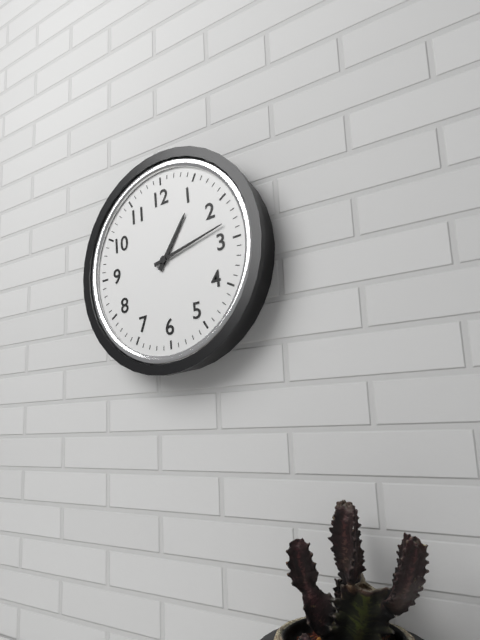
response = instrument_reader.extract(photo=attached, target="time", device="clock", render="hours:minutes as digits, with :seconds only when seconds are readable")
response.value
1:13
